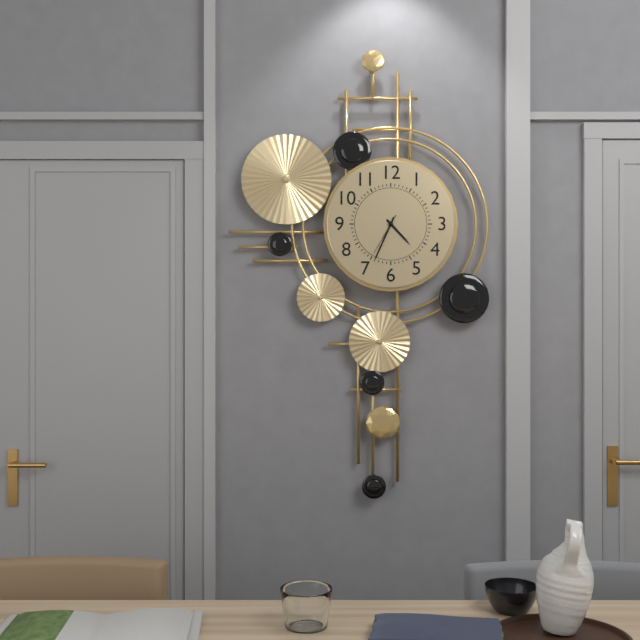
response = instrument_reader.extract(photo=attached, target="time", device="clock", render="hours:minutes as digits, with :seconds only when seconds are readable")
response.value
4:34
